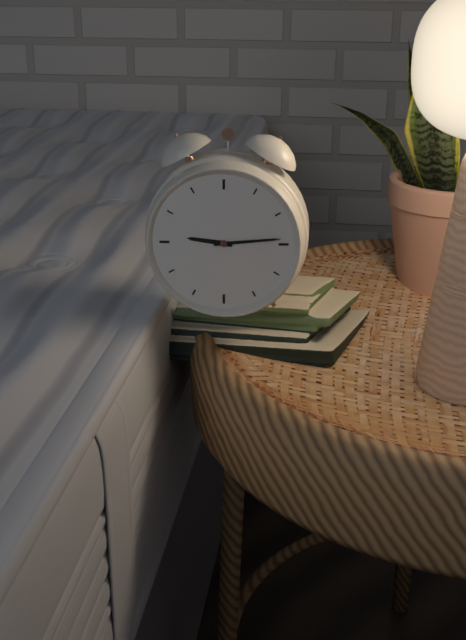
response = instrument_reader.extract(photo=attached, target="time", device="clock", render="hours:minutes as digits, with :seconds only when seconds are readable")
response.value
9:14
